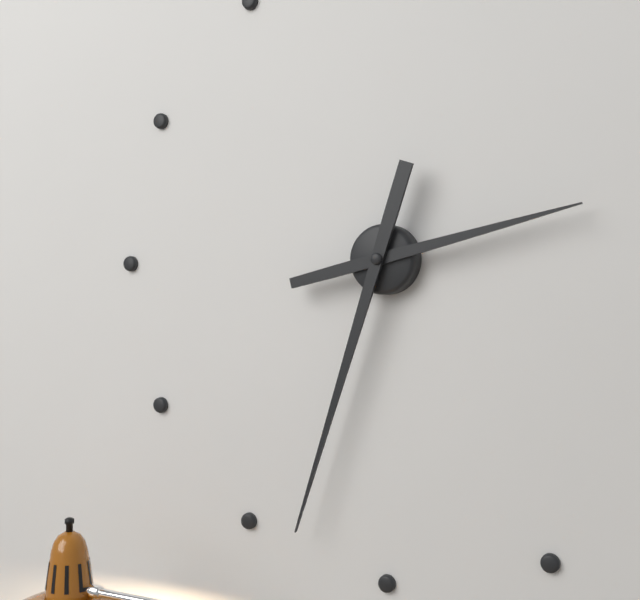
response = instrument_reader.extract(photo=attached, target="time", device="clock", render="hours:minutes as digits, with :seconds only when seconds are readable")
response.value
2:33
